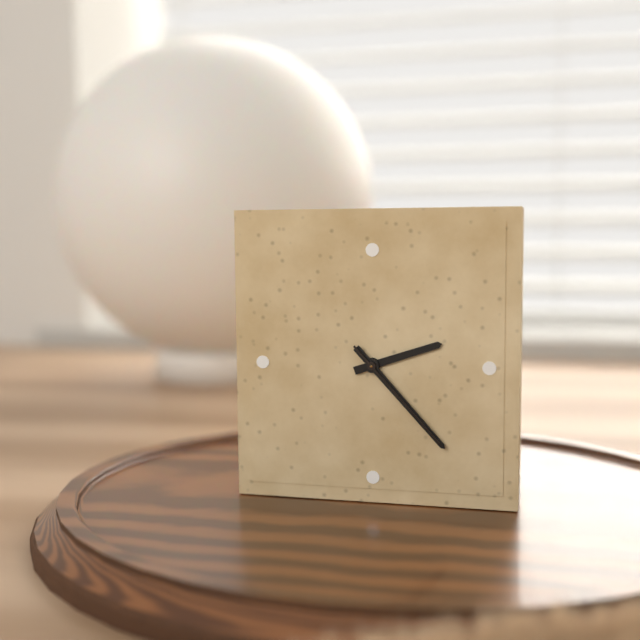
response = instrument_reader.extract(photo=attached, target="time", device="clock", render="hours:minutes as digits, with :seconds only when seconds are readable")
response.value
2:23:23
